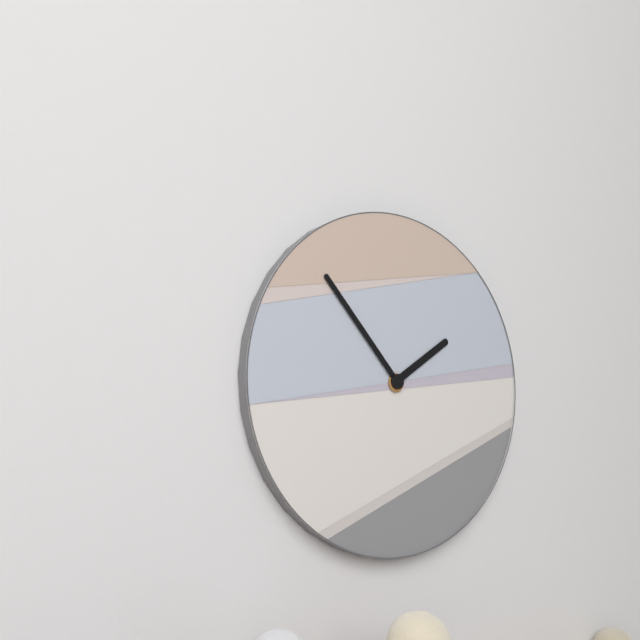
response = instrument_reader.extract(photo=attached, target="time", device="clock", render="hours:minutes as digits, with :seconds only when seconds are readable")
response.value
1:53
